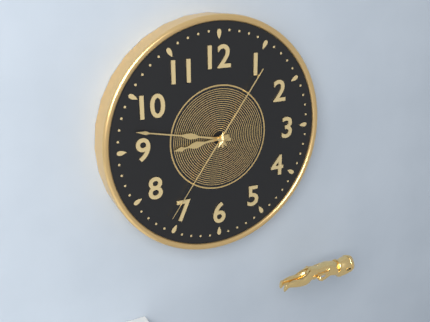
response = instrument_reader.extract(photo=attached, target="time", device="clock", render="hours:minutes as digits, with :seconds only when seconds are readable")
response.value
8:47:36
